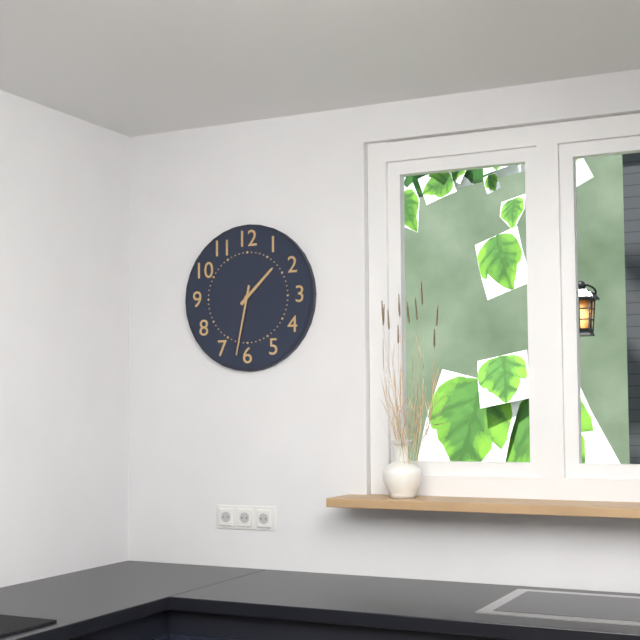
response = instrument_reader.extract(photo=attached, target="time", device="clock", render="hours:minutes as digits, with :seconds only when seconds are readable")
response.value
1:32
